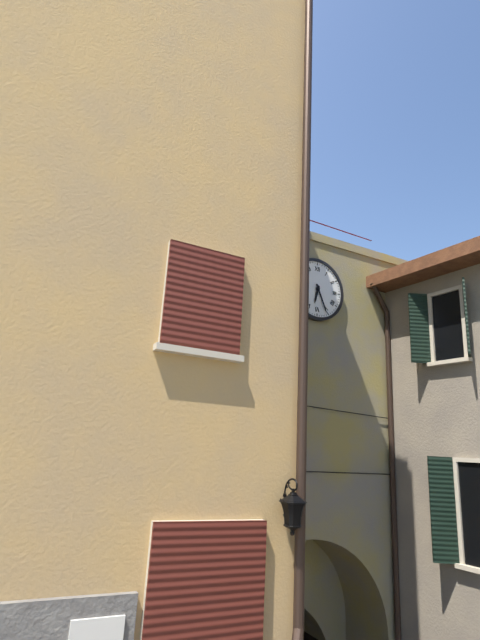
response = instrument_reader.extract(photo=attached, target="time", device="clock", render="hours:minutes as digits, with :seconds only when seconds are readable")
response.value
6:26
